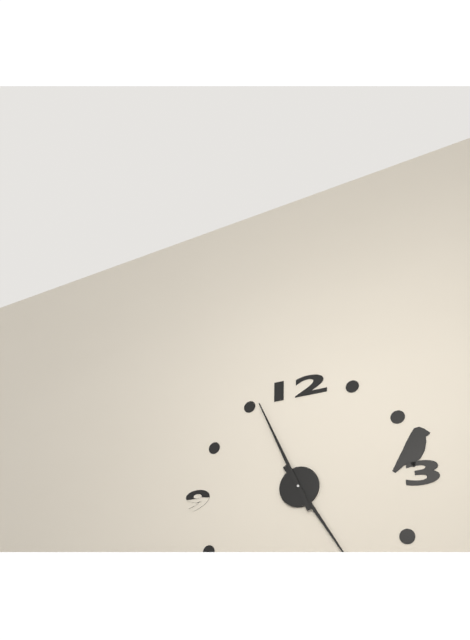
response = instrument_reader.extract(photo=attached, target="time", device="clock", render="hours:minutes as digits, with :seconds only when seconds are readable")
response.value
4:56
